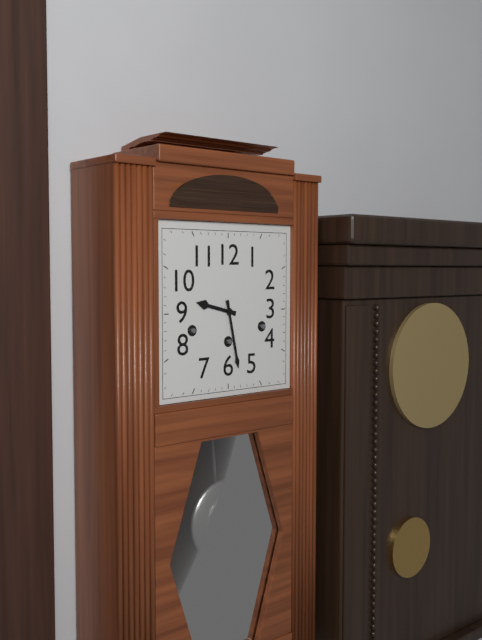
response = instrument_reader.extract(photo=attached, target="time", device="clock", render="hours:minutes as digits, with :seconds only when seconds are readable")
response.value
9:28
